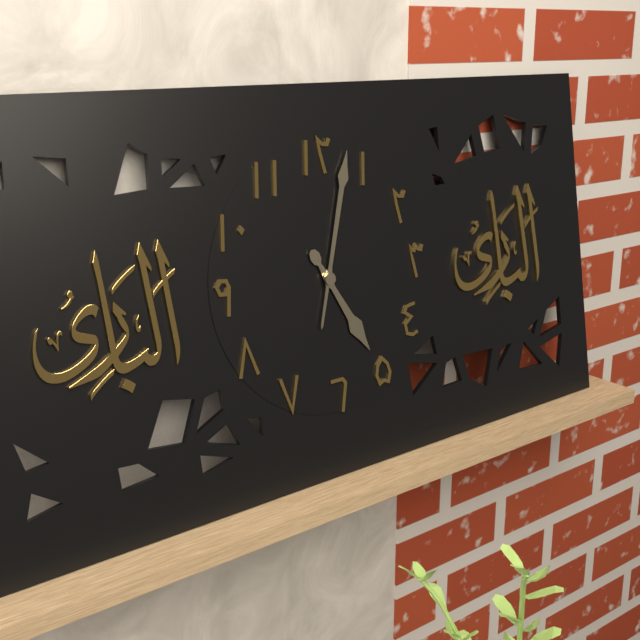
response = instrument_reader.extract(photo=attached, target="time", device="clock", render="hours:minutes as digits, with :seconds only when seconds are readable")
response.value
5:03
